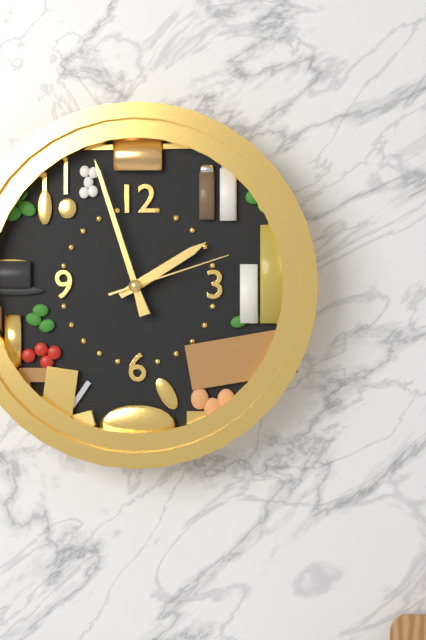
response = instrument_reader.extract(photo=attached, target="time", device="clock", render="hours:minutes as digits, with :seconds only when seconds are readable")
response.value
1:57:12
